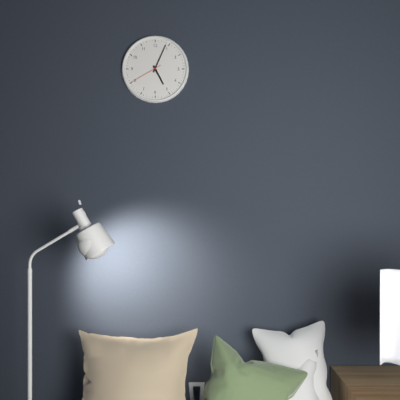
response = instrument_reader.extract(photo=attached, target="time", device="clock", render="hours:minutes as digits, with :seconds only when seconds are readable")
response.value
5:04
